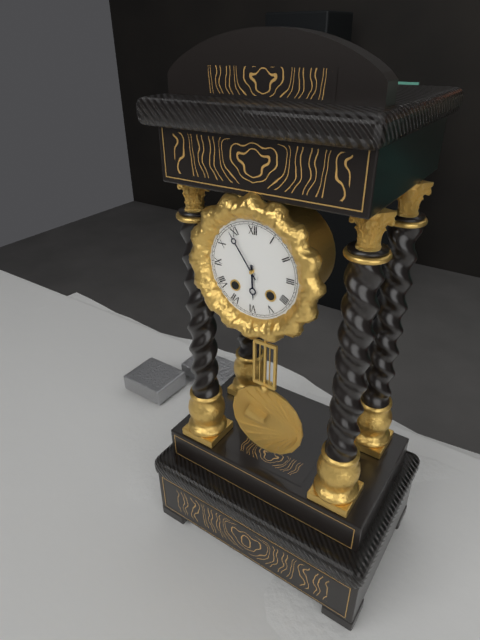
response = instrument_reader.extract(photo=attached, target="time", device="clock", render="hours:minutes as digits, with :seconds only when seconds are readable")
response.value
5:54
